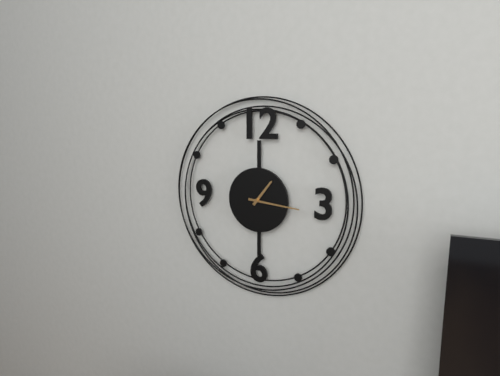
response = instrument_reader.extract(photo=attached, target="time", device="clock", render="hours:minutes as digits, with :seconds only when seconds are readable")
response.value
1:16
